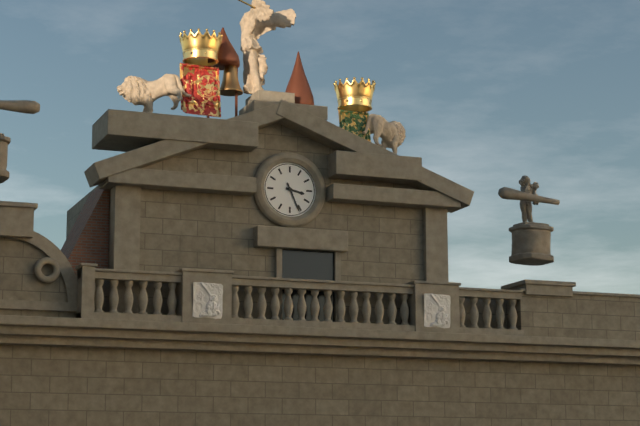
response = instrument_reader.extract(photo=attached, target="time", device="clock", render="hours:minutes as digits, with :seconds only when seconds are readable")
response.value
3:26
